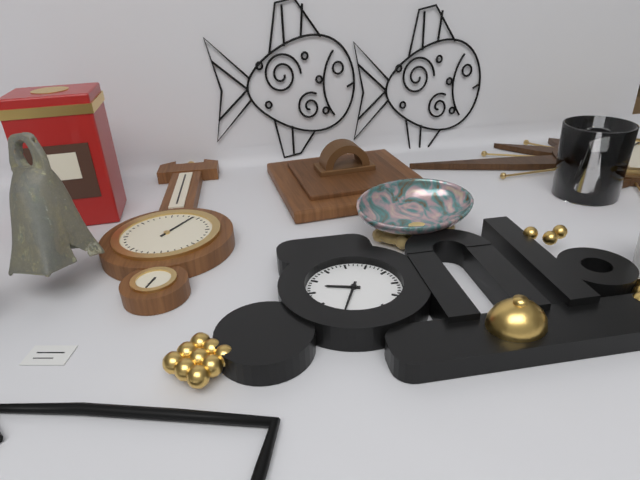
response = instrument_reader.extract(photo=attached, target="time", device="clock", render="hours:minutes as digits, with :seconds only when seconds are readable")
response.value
9:34
